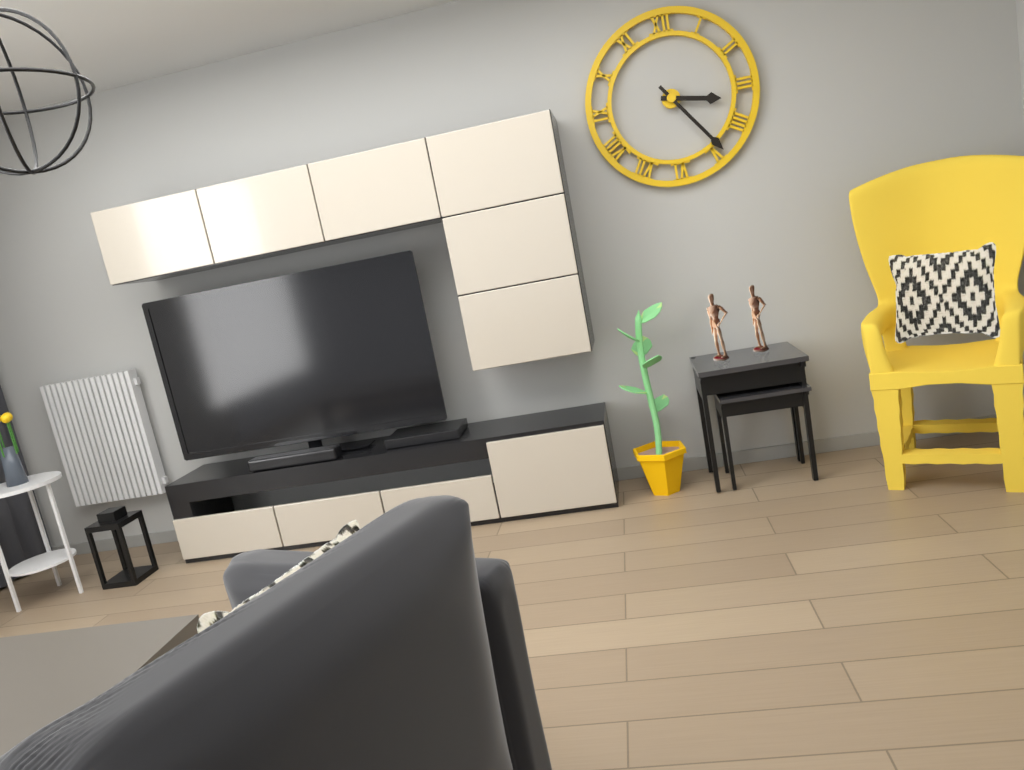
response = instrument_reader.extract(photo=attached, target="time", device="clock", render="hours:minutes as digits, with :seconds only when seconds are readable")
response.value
3:24
